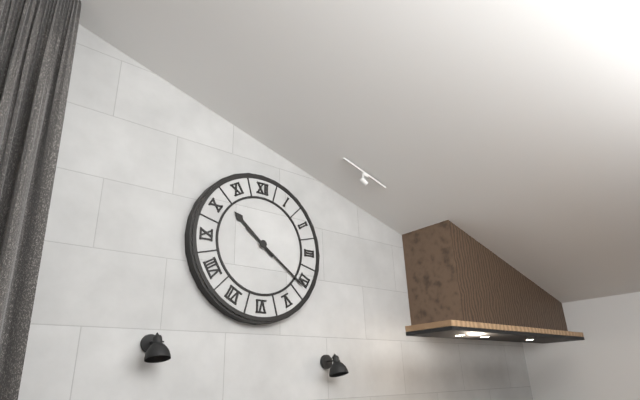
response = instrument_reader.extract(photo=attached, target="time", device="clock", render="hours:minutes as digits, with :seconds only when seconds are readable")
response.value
10:21
